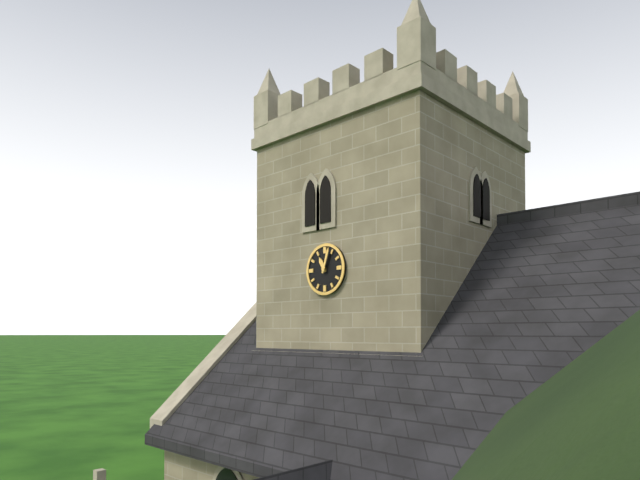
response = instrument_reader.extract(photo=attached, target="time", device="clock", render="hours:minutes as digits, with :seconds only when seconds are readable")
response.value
11:03
